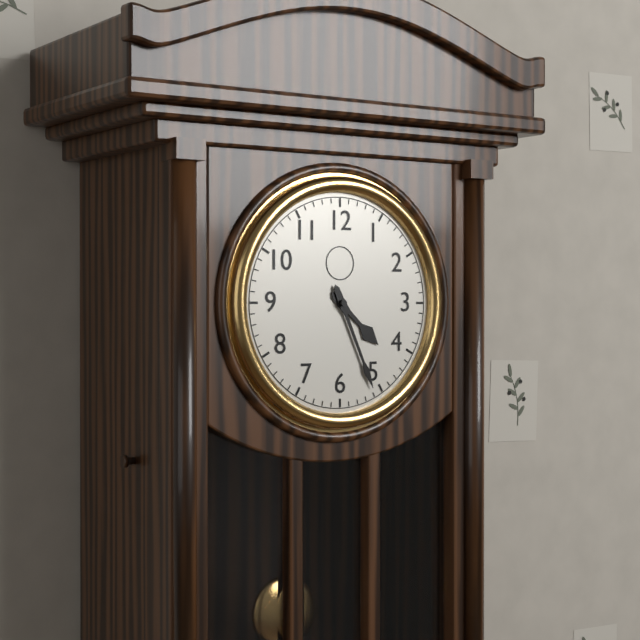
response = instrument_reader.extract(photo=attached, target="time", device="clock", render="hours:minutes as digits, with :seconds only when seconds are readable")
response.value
4:26
